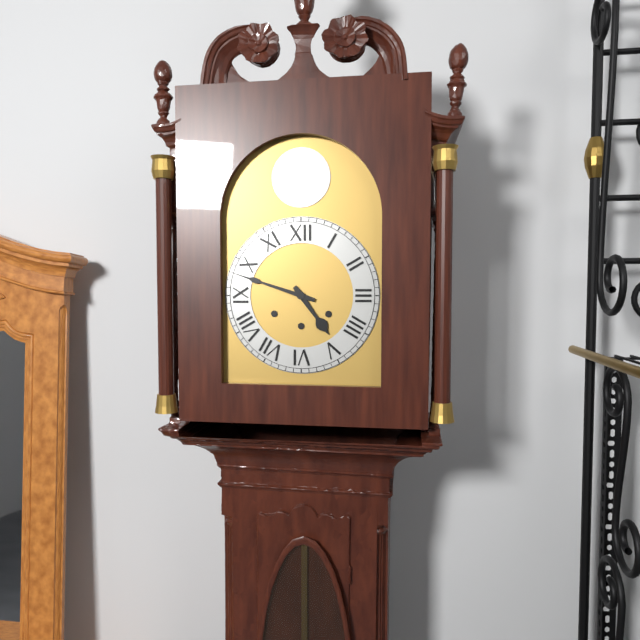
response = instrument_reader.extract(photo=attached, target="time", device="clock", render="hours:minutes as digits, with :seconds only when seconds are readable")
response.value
4:48
